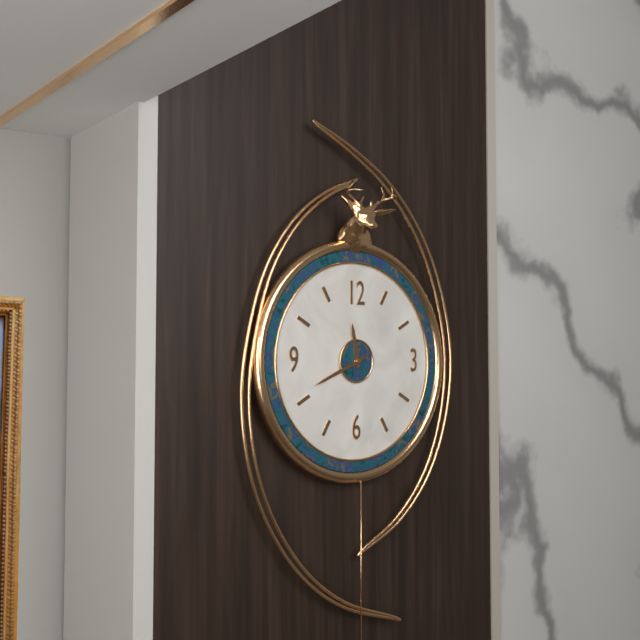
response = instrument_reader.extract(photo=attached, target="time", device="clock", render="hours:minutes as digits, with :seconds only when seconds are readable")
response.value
11:41
